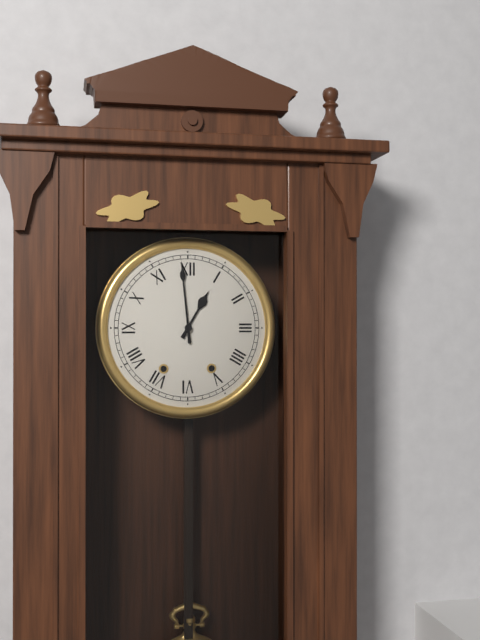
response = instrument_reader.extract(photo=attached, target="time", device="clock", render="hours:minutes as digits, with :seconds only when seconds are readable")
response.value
12:59
